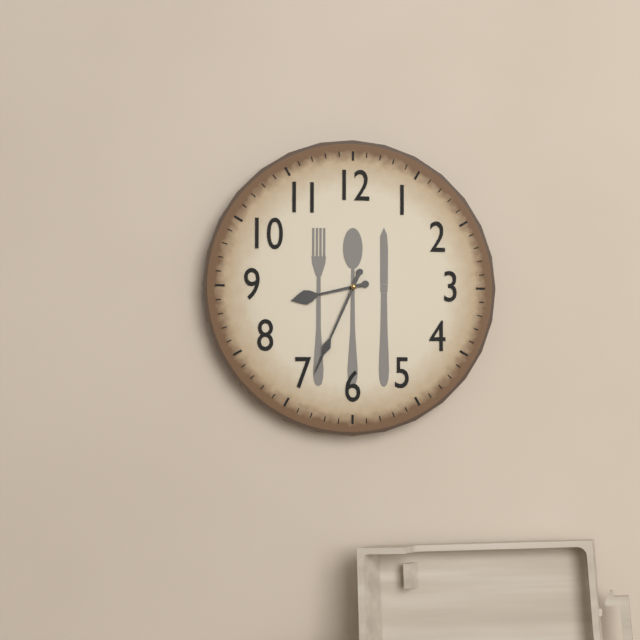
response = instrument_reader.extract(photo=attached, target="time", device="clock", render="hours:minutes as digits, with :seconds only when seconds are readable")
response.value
8:34
